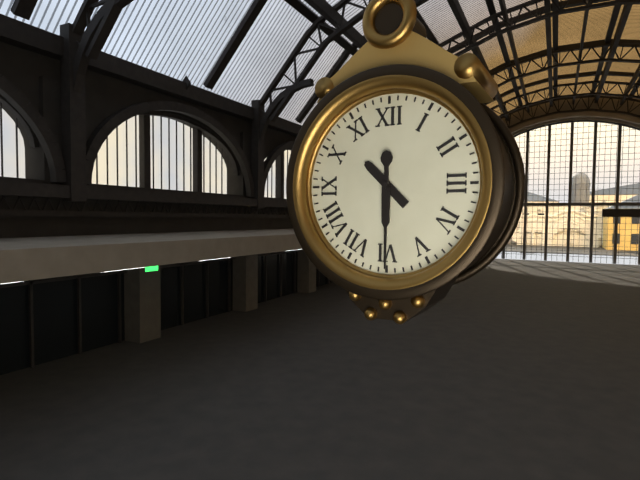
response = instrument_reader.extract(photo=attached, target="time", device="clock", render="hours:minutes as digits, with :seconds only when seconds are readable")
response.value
10:30
